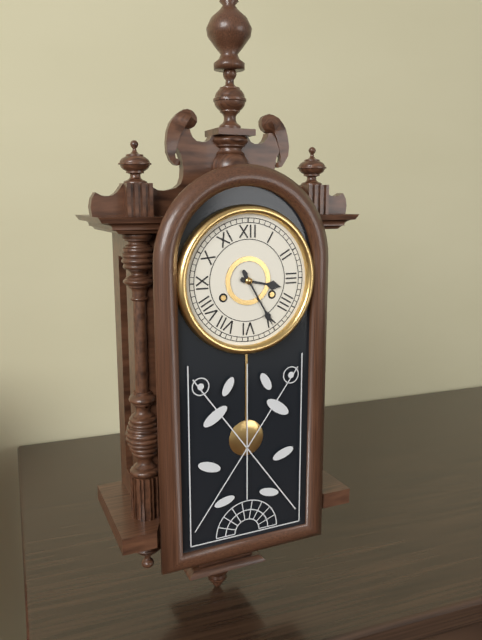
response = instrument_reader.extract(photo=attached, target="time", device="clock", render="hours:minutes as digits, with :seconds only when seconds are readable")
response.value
3:25
